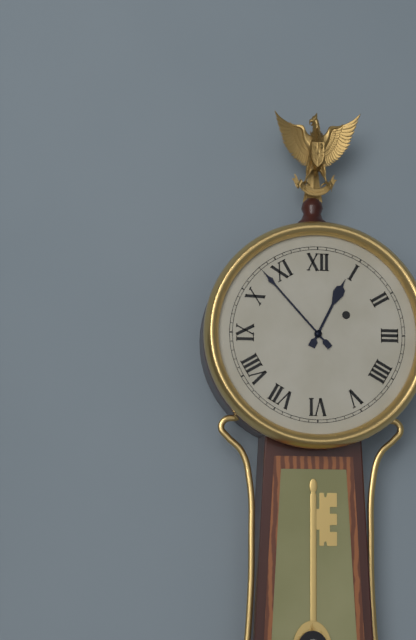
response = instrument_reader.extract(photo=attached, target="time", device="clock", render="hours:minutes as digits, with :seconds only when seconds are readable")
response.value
12:53
